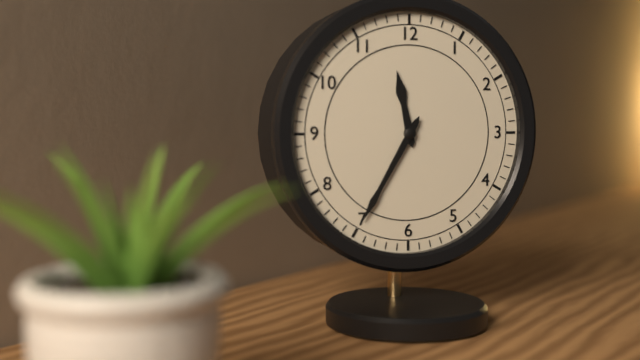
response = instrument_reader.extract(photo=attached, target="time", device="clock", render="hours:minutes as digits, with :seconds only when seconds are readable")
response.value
11:35
